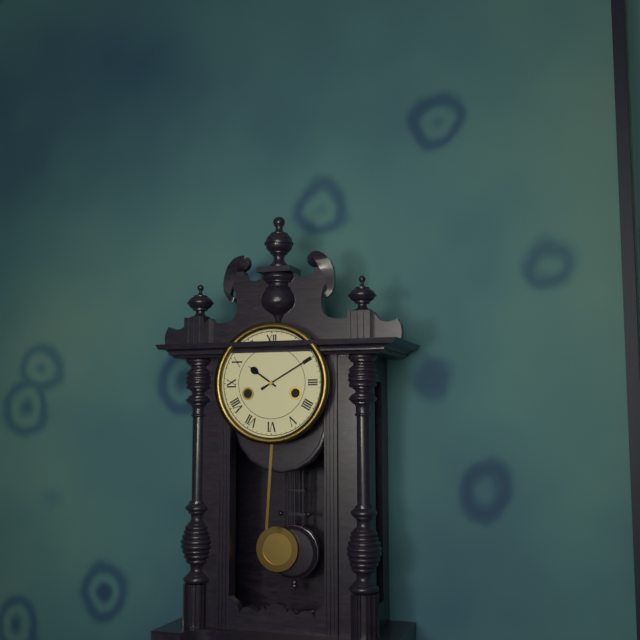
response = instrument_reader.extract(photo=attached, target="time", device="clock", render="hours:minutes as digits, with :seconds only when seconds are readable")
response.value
10:10
